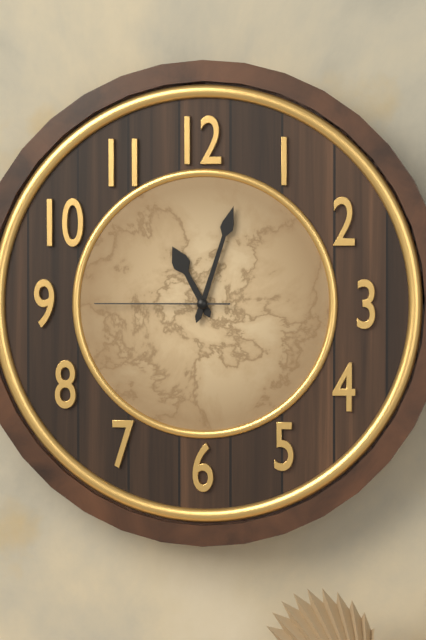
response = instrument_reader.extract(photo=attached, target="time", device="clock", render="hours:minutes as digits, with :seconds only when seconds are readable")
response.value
11:03:45
